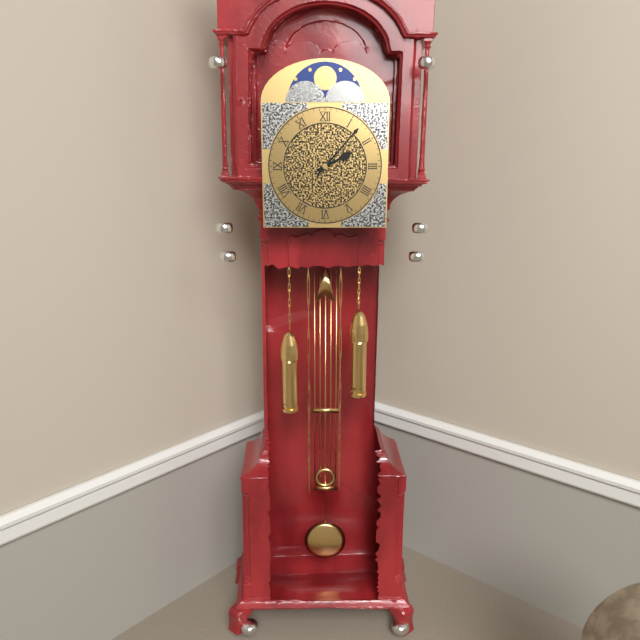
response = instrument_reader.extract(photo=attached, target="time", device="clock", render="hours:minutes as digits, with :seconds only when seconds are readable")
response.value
2:07
